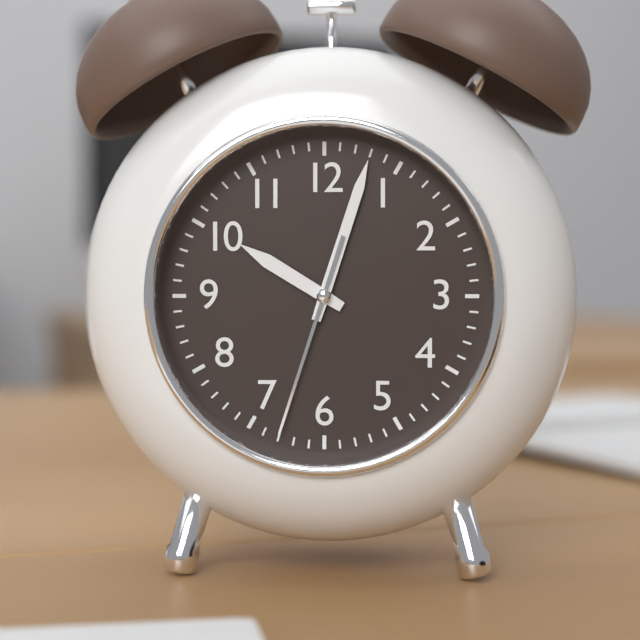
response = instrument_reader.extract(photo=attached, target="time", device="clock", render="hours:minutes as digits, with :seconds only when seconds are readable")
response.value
10:03:33
